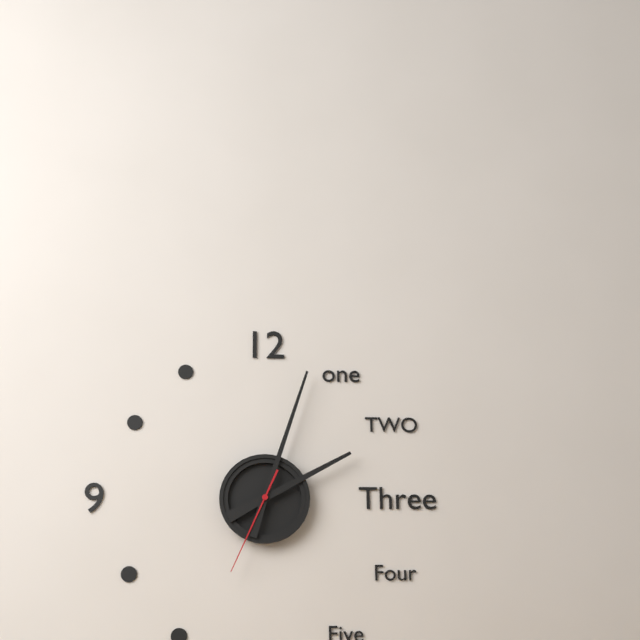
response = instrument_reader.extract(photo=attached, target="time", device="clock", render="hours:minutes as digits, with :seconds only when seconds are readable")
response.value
2:03:34
